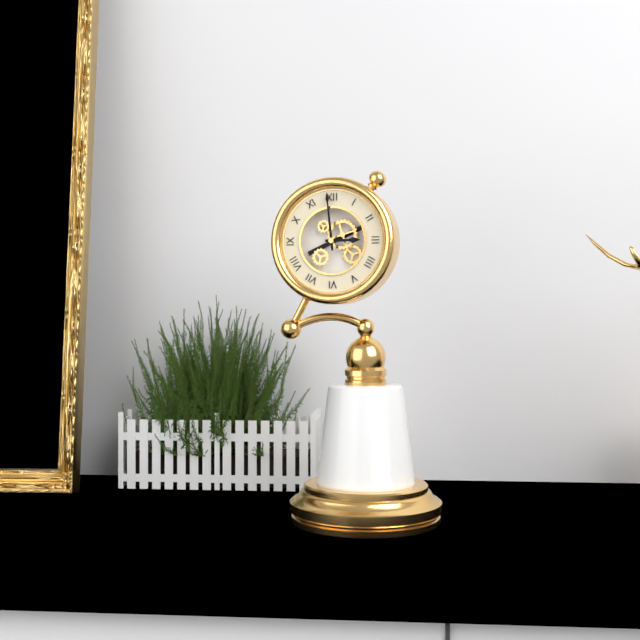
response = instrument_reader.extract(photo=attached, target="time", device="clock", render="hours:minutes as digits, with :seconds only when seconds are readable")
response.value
2:59
